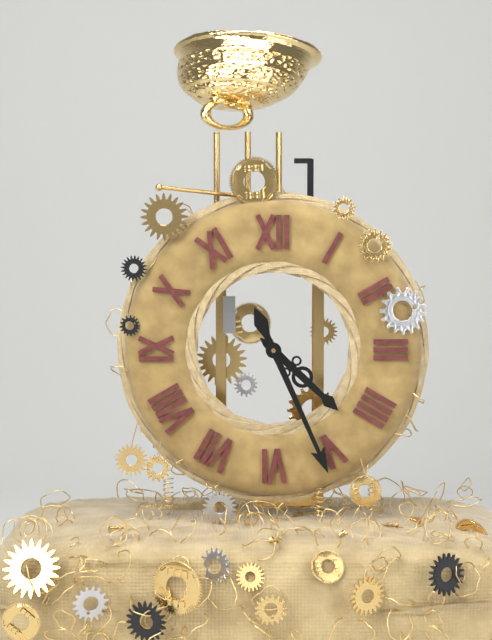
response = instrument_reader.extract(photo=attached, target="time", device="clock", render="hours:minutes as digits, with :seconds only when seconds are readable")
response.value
4:26
